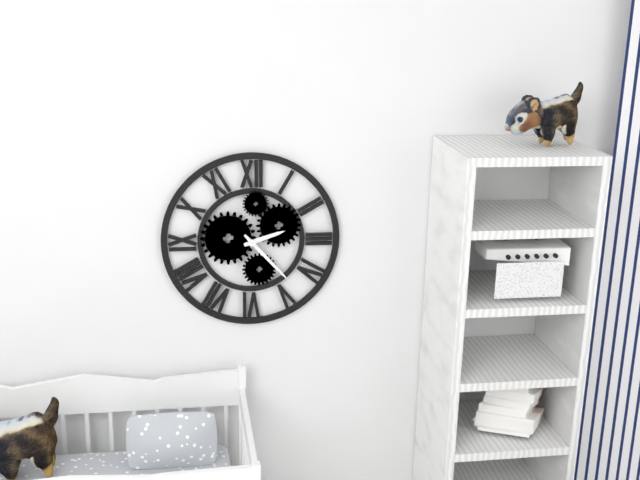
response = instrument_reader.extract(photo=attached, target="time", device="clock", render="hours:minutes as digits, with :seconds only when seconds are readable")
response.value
2:23
